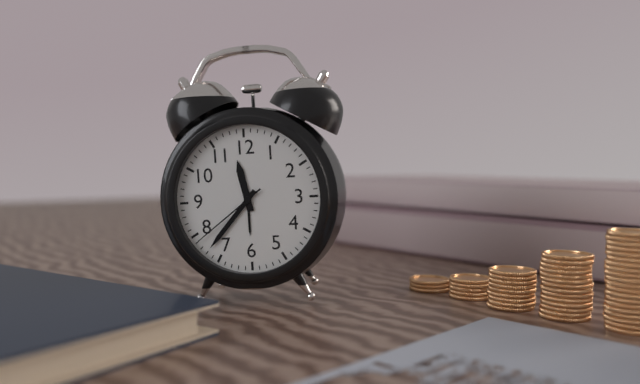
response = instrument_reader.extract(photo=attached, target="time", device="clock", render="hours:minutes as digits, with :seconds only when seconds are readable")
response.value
11:37:39
